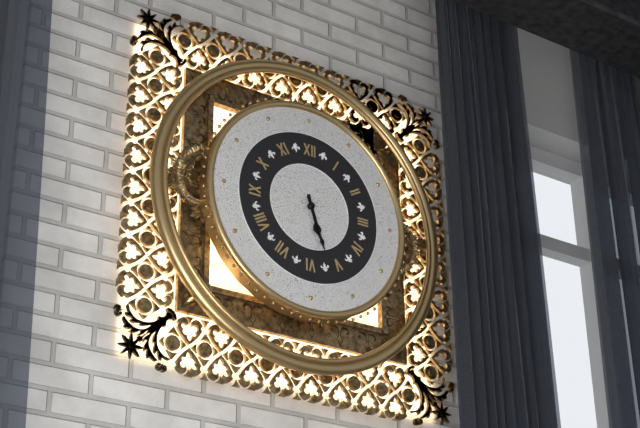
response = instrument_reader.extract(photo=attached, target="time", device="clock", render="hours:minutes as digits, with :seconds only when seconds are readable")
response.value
5:27
